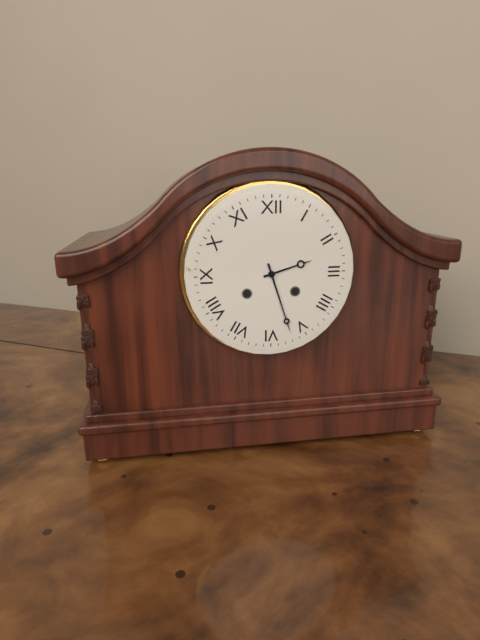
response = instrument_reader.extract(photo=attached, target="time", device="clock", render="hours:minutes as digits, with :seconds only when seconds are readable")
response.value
2:27
